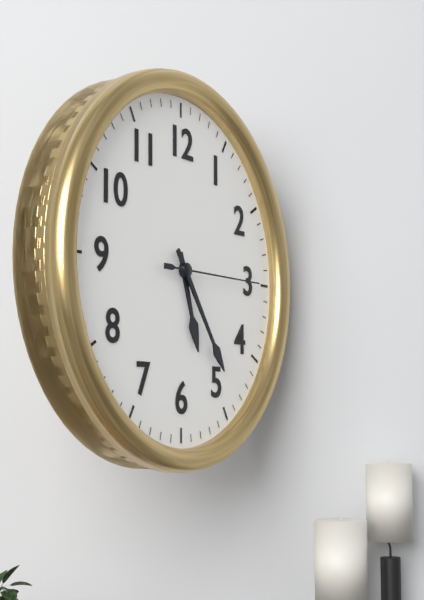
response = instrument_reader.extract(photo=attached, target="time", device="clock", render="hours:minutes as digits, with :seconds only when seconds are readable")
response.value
5:24:15
